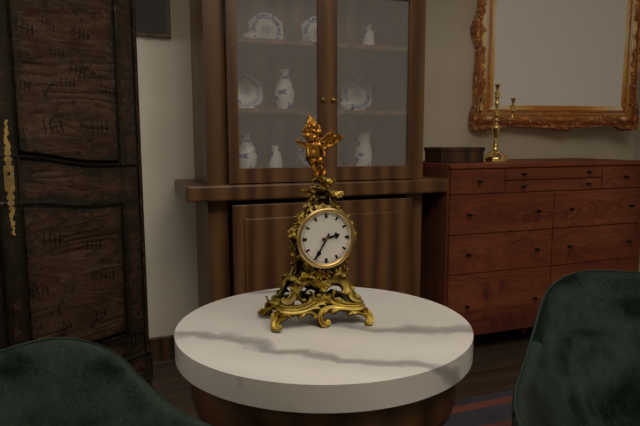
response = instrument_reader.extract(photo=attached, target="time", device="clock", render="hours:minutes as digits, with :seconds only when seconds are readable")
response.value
2:35
